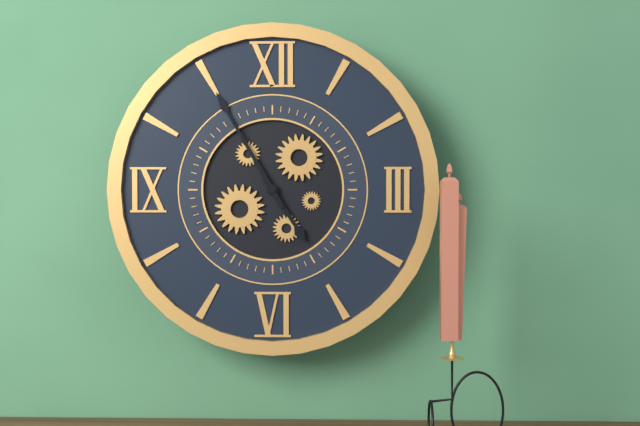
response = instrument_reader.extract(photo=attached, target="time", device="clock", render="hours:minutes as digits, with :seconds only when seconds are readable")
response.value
4:55
